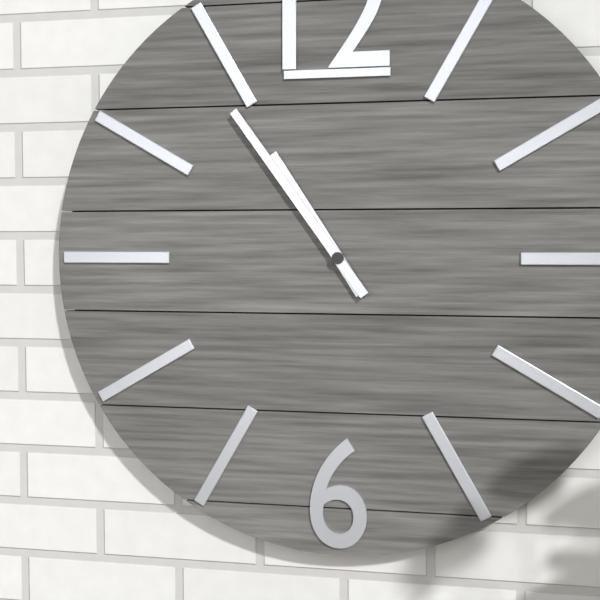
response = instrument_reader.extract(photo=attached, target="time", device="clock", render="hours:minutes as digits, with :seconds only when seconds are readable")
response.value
10:54
